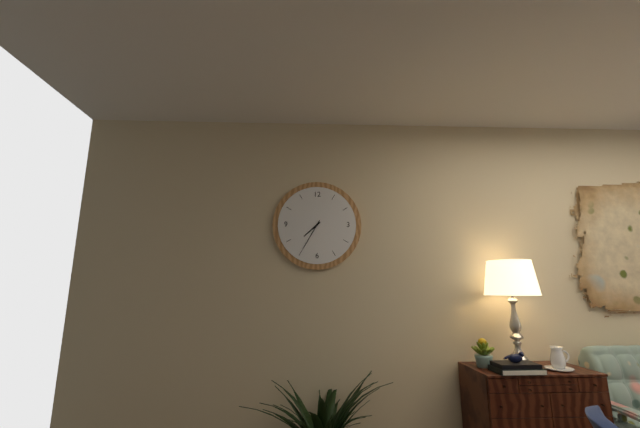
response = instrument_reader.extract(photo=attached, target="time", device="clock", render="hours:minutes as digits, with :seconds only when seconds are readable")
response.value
7:35
